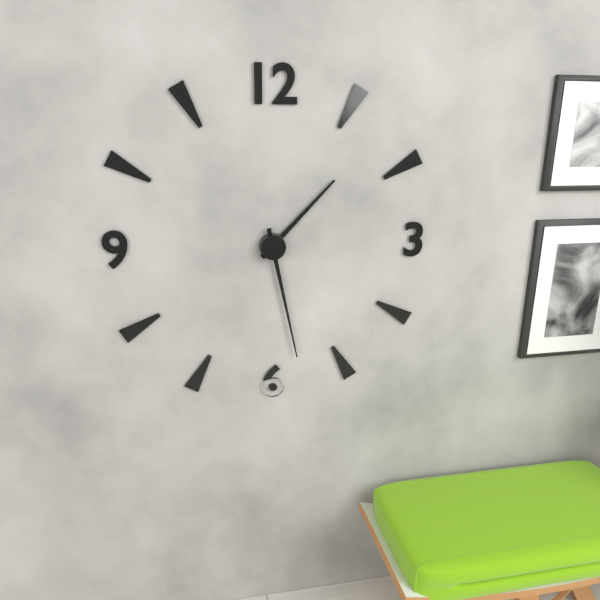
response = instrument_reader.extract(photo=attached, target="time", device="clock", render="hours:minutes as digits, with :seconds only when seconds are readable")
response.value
1:28
